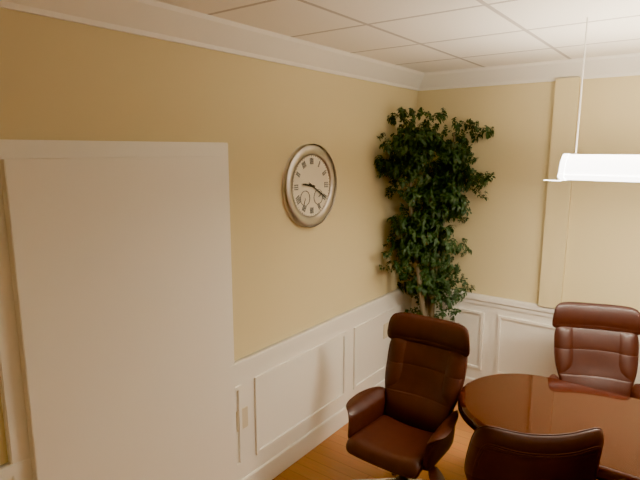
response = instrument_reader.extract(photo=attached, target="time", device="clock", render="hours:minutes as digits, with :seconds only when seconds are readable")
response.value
9:20
